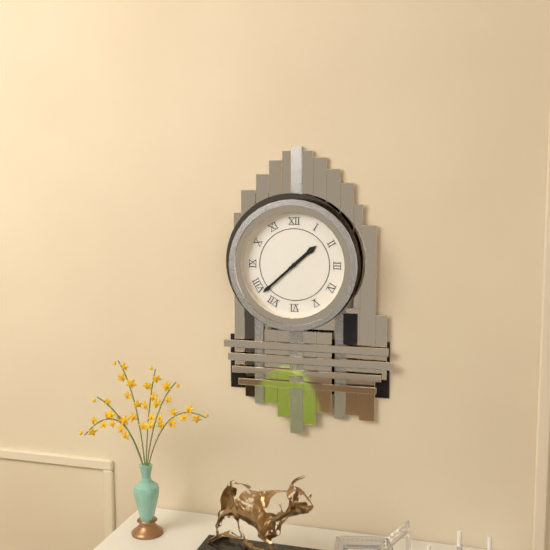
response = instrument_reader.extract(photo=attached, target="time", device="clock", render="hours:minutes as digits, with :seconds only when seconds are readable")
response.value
1:38
